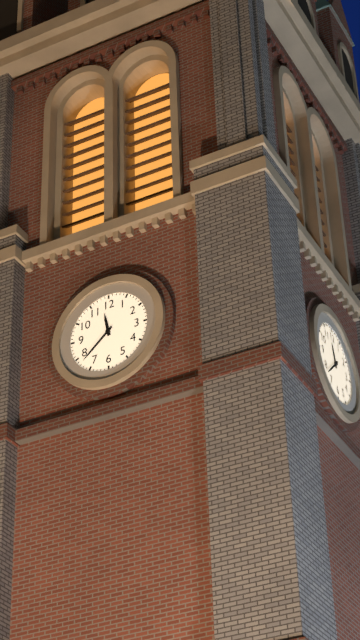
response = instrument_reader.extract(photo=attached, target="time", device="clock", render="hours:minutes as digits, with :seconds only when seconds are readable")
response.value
11:38
